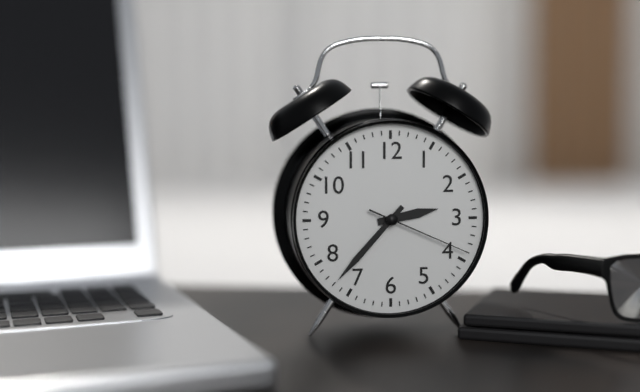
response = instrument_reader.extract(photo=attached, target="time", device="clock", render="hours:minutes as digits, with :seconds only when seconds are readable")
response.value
2:37:19
